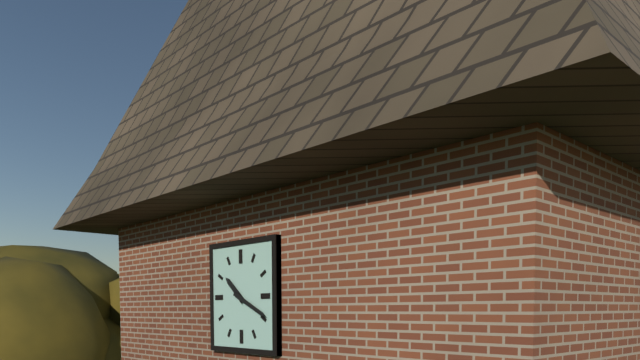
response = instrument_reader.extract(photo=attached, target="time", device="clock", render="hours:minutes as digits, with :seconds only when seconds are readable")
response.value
10:19
